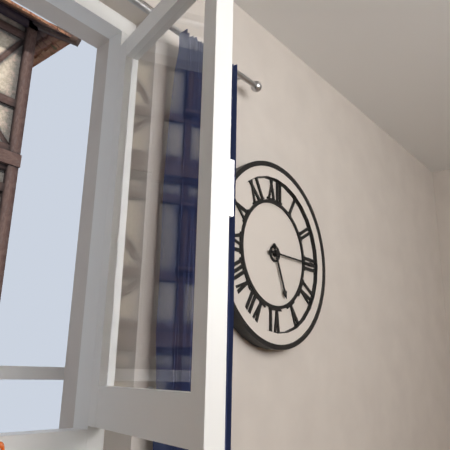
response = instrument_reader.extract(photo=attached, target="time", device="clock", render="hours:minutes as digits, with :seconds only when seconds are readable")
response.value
5:15
